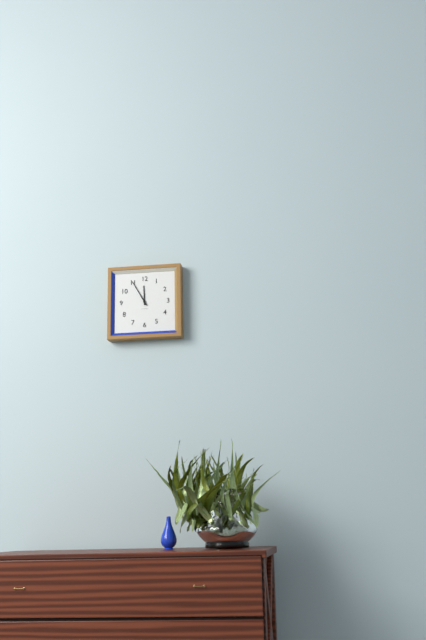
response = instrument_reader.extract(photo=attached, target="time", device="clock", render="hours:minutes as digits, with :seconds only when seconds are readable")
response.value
11:55
